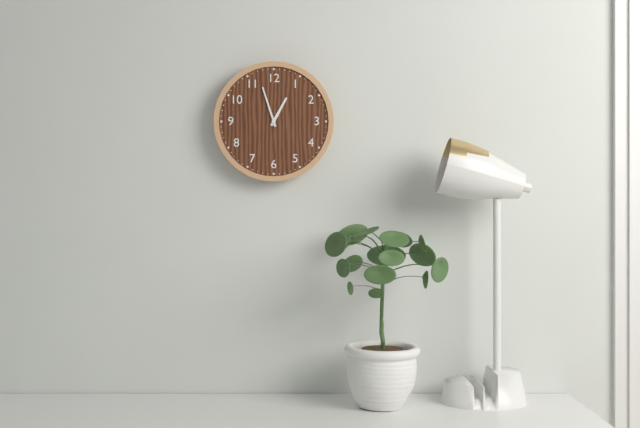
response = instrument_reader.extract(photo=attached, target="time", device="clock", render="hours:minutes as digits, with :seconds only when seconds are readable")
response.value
12:57
